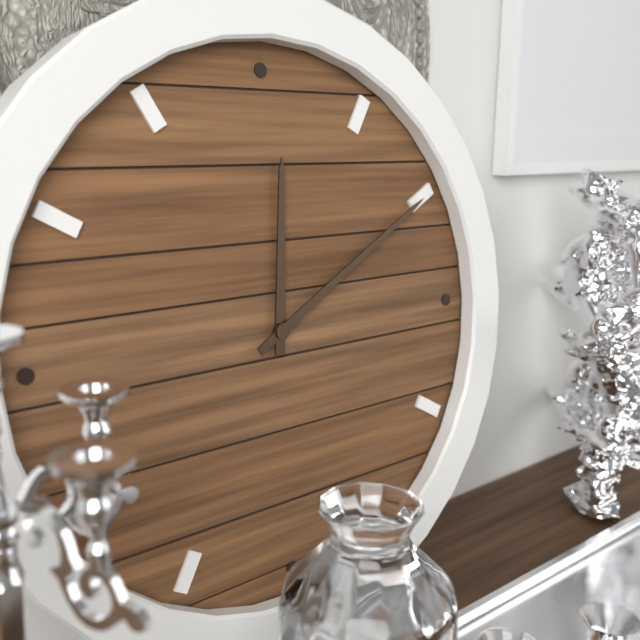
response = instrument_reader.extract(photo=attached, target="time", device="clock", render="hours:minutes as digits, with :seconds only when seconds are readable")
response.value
12:10
